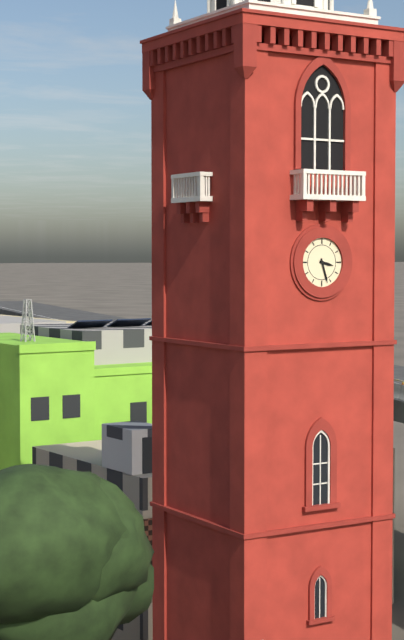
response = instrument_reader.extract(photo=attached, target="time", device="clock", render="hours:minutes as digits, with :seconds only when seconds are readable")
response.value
3:27
